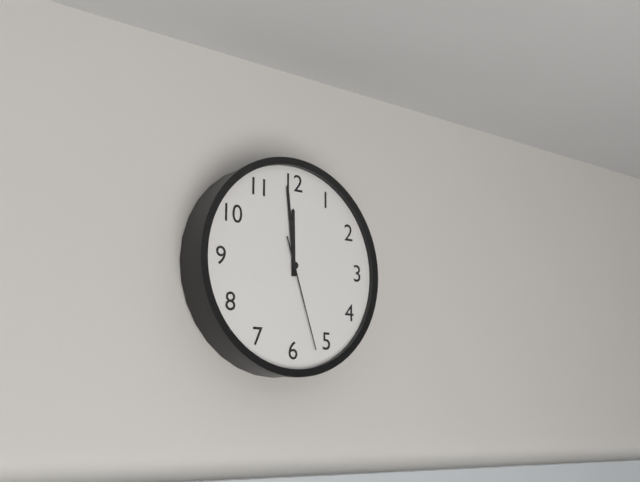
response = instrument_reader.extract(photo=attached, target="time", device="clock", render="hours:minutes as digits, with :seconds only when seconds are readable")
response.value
11:59:27
